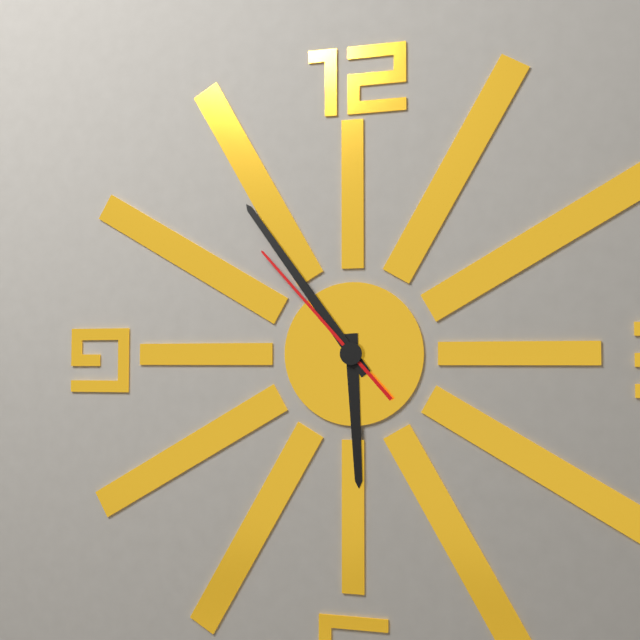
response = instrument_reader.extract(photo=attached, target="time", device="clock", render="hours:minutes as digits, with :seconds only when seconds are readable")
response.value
5:54:53
